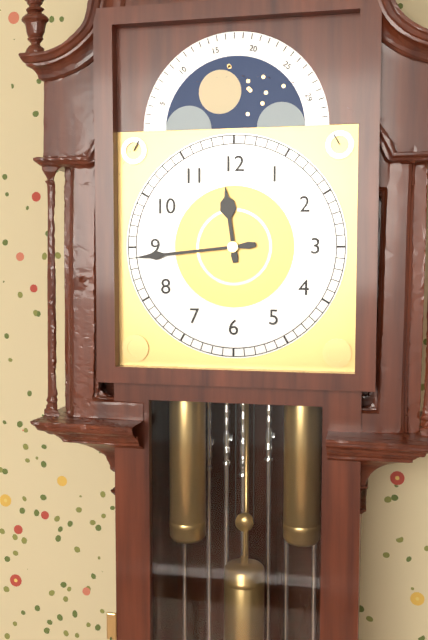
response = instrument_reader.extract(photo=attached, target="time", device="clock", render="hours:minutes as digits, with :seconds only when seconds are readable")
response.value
11:44
